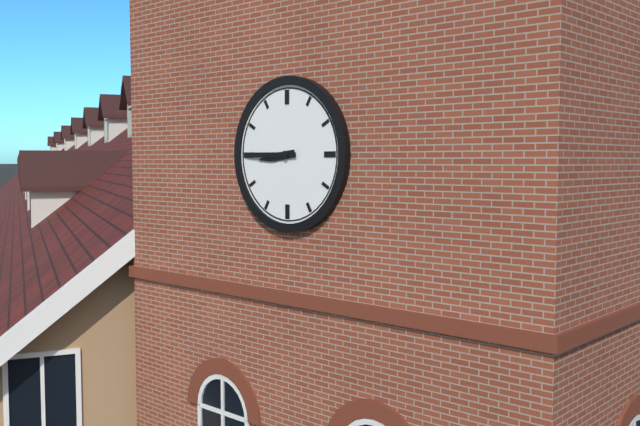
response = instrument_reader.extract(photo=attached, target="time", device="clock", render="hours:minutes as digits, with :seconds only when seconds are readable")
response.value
8:45
